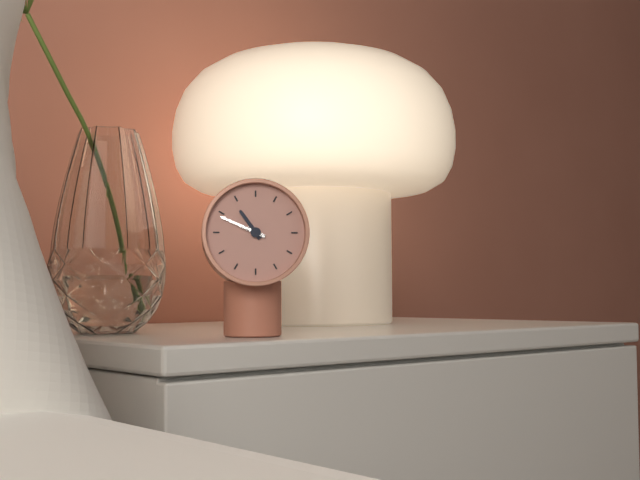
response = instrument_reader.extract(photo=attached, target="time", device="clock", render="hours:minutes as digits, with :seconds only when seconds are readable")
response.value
10:49
